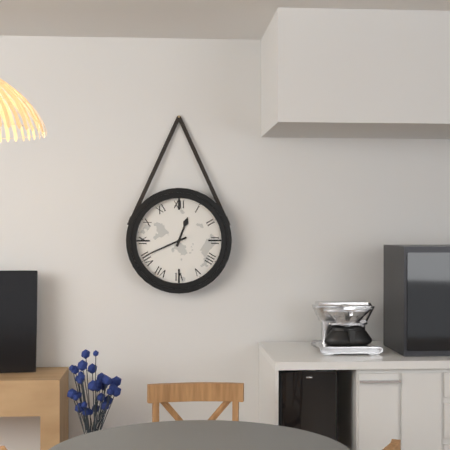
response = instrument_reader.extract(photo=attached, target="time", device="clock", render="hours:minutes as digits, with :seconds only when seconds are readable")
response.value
12:41
